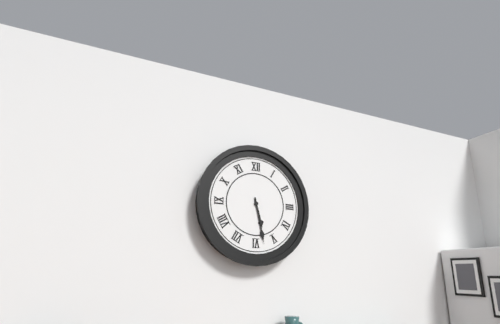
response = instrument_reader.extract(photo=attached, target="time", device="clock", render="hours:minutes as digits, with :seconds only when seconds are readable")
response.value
5:28
